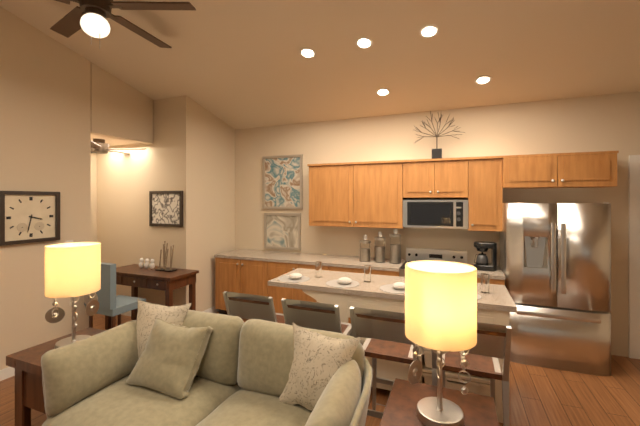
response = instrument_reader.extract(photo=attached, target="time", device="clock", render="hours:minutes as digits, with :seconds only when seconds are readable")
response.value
3:32
